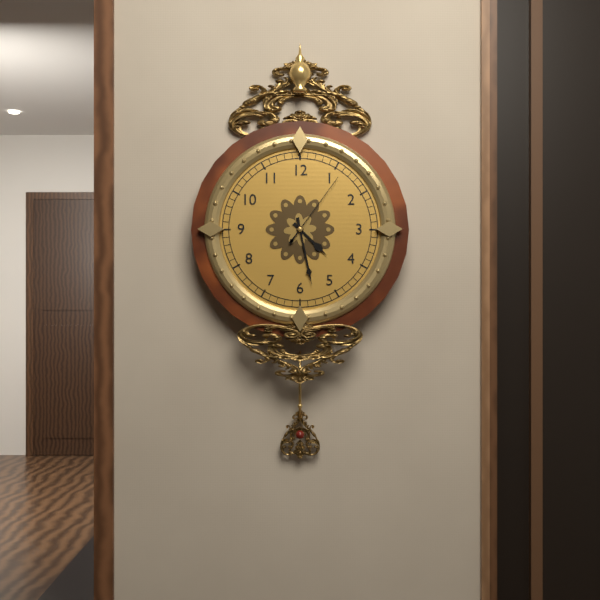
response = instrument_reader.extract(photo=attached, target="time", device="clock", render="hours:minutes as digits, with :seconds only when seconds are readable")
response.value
4:28:06
